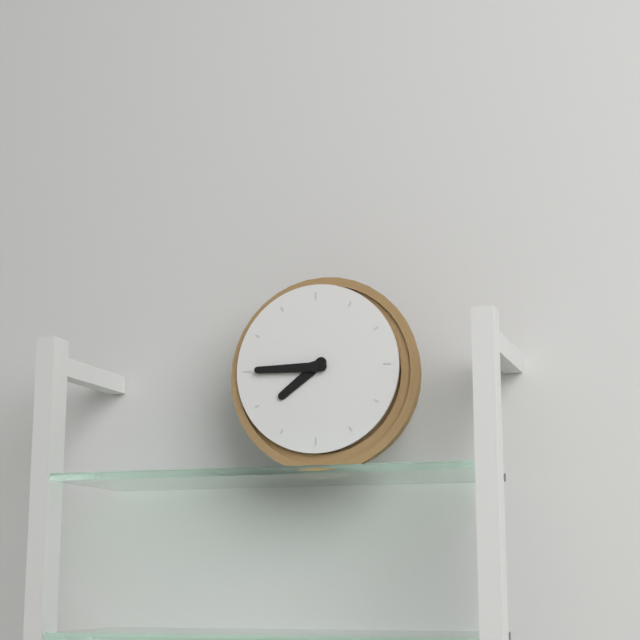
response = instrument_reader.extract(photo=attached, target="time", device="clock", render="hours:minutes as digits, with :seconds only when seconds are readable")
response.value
7:45
